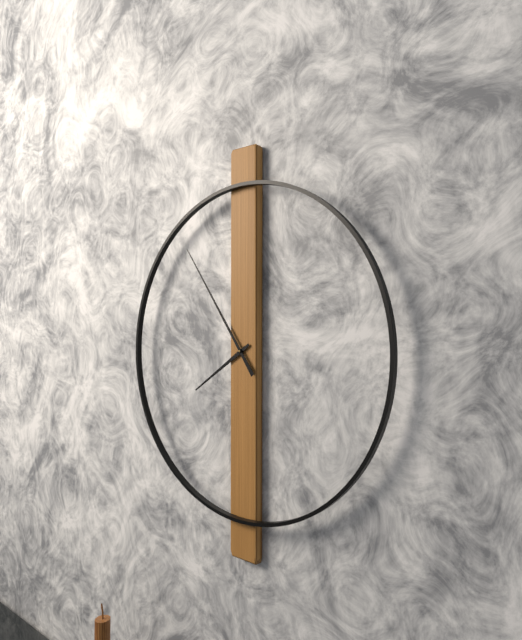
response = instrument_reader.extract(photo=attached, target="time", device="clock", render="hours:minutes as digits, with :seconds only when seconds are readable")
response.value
7:54
